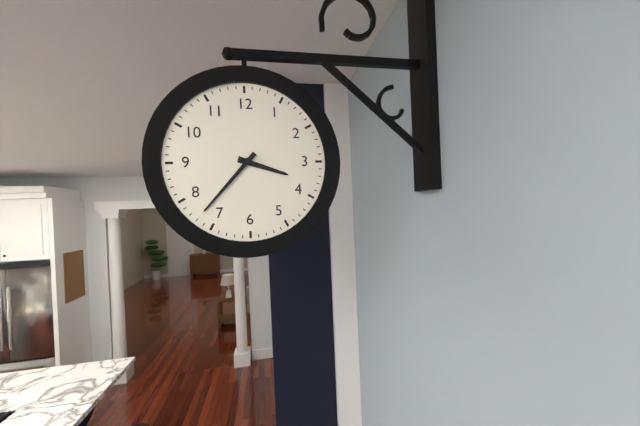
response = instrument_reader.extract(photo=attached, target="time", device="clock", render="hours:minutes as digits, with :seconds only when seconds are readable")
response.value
3:37
